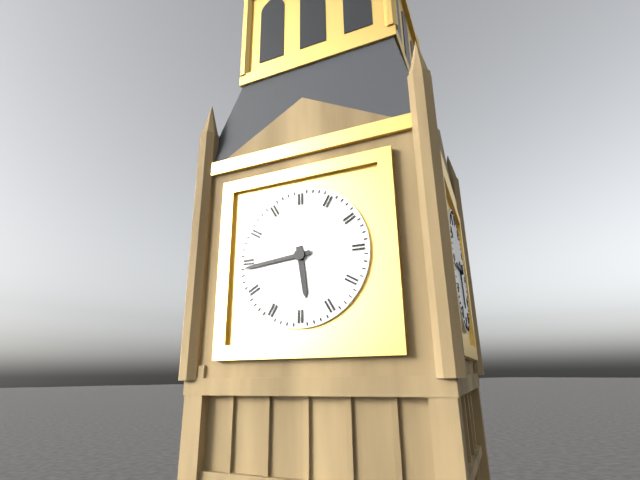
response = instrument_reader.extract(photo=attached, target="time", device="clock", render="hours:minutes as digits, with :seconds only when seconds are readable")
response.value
5:44
